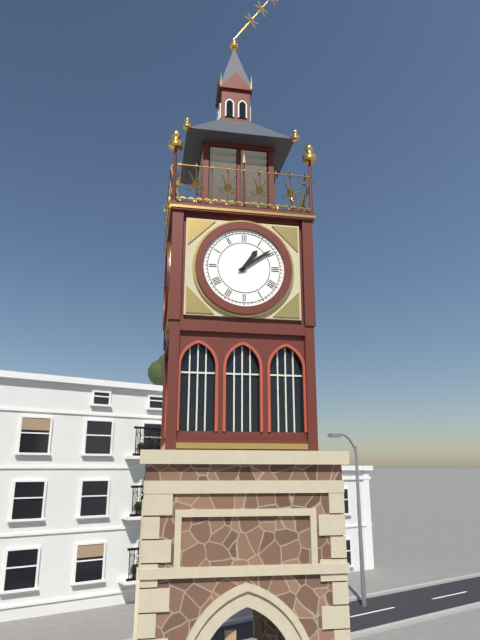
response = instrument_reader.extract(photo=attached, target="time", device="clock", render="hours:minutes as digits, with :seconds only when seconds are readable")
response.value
1:09
